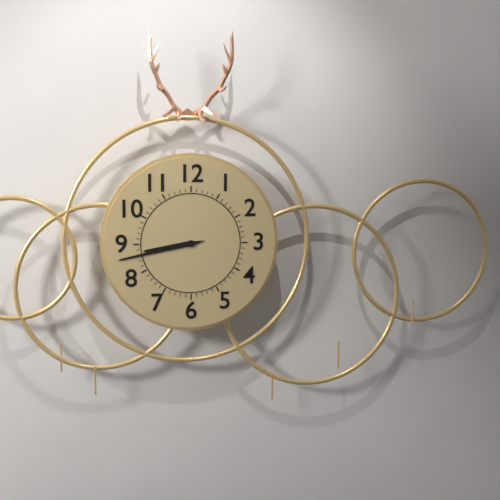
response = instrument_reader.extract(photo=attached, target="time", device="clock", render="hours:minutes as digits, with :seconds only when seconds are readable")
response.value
8:43
